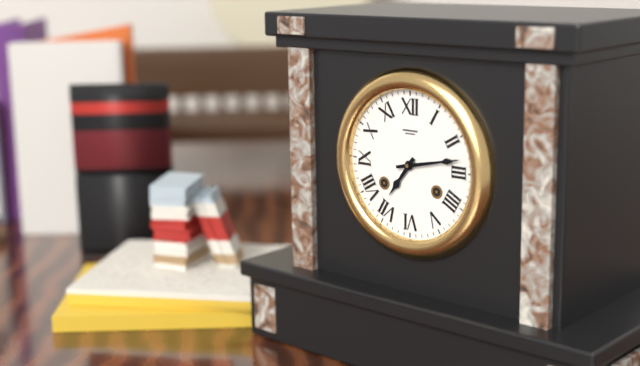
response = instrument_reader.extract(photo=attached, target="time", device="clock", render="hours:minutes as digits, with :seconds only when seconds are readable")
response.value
7:13
